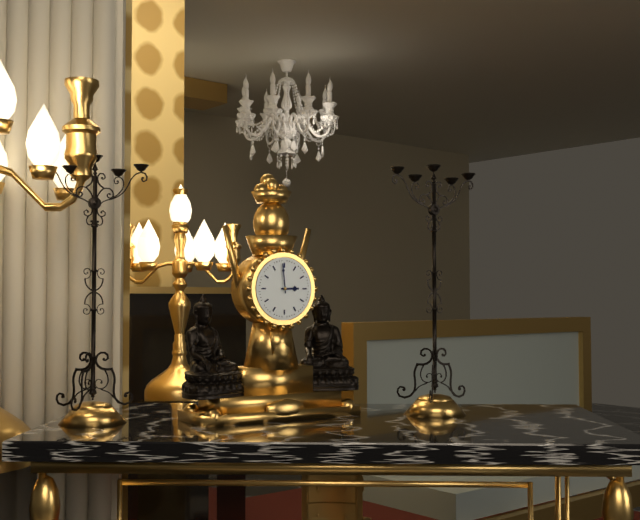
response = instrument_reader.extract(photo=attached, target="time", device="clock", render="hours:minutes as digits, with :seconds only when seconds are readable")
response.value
2:59
